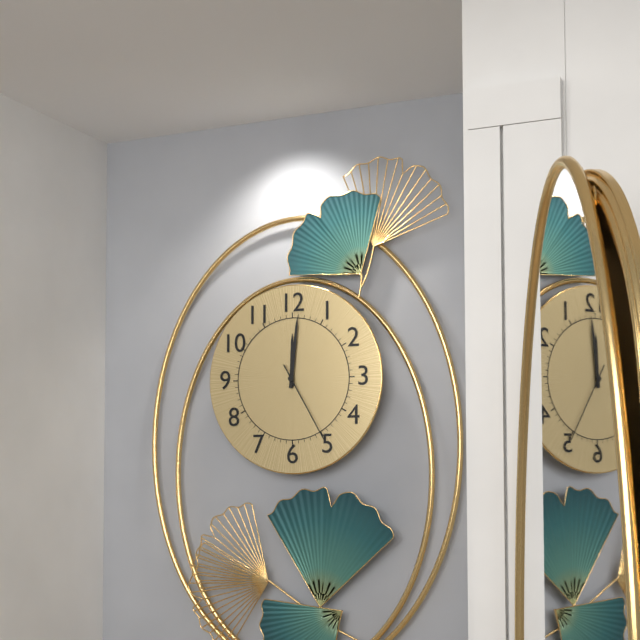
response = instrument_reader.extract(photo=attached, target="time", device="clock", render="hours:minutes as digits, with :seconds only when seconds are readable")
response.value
12:01:25
